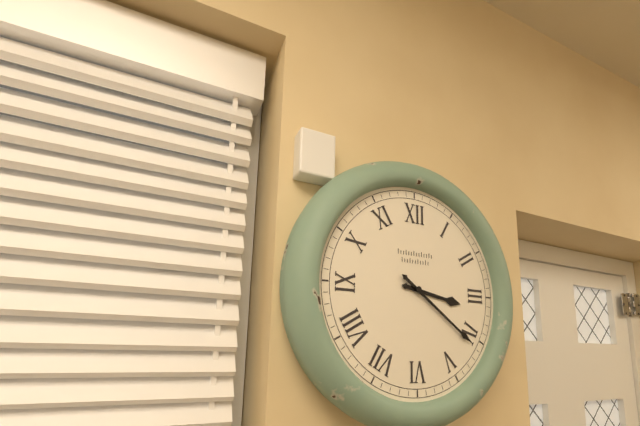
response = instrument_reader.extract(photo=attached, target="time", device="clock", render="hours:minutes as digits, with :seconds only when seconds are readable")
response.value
3:21
